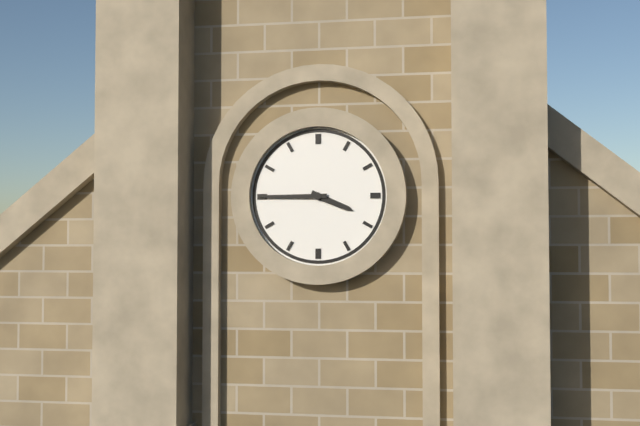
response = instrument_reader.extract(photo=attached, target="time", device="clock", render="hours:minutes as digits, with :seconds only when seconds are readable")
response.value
3:45
